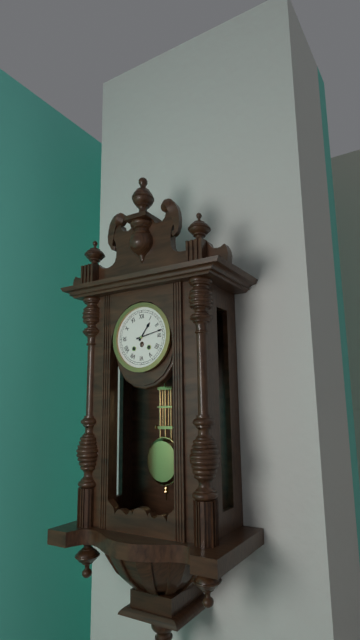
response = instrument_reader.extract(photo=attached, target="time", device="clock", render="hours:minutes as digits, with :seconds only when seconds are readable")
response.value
1:13
